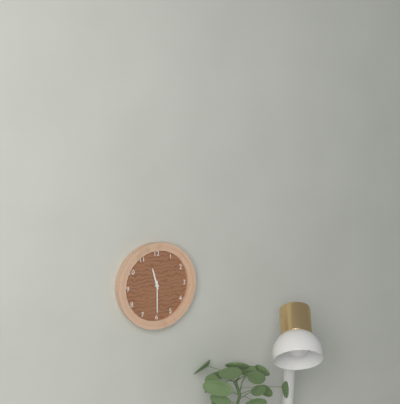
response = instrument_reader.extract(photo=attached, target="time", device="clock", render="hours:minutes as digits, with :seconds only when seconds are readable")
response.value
11:30
